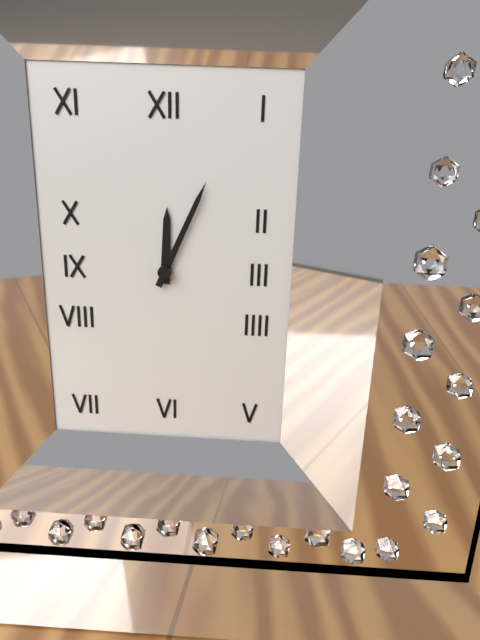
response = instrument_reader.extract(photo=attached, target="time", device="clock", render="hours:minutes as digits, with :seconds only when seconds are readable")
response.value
12:04
